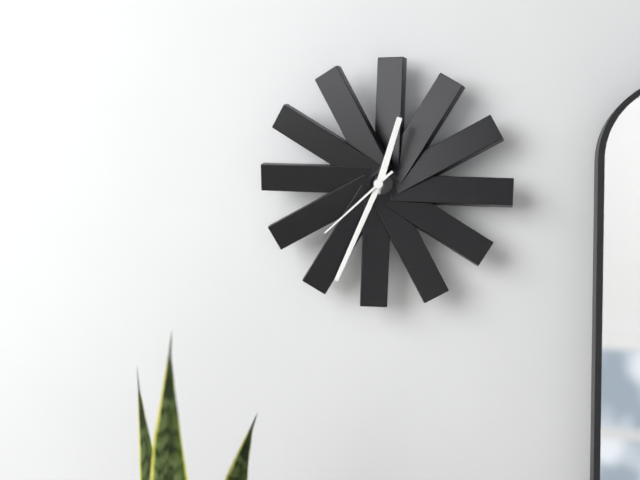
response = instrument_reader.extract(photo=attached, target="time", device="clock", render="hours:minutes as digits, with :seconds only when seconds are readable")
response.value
12:34:38
